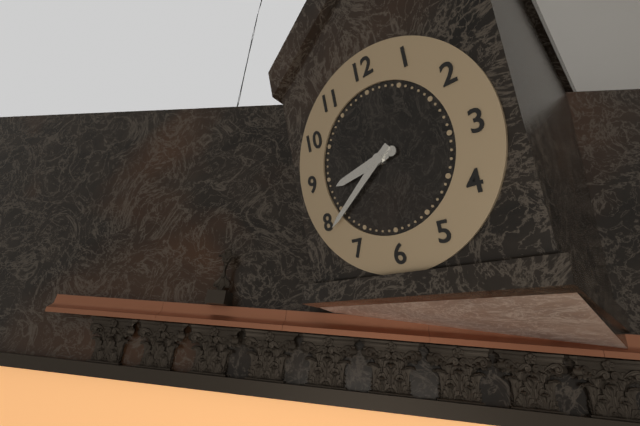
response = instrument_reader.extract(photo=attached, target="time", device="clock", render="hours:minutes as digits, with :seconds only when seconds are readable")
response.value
8:39
